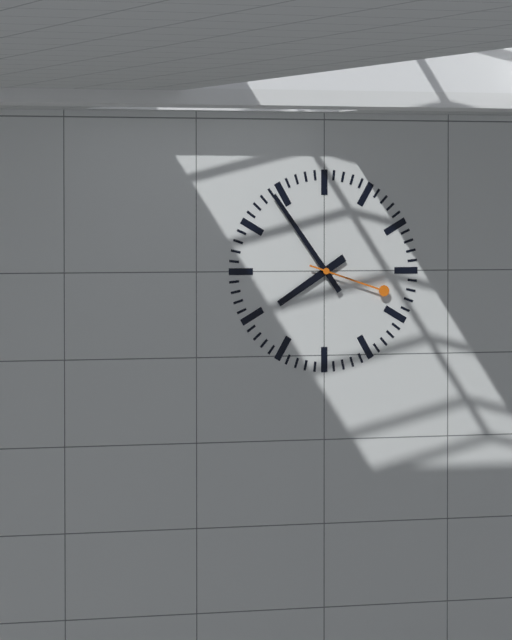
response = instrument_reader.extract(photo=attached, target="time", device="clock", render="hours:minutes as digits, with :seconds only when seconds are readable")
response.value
7:54:18
